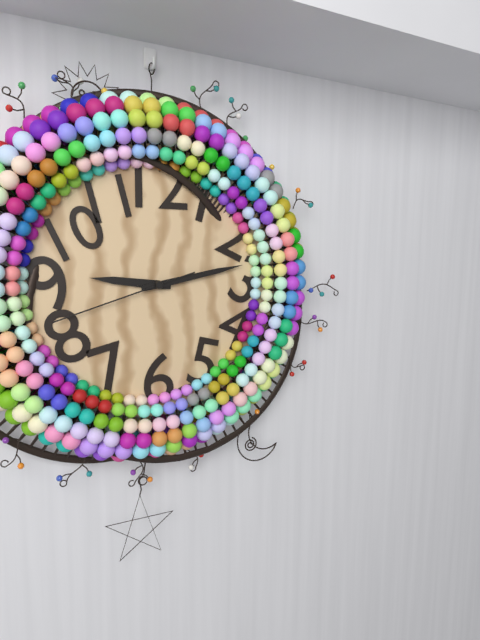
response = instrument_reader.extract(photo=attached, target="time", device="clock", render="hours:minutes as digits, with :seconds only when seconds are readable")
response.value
9:13:42
